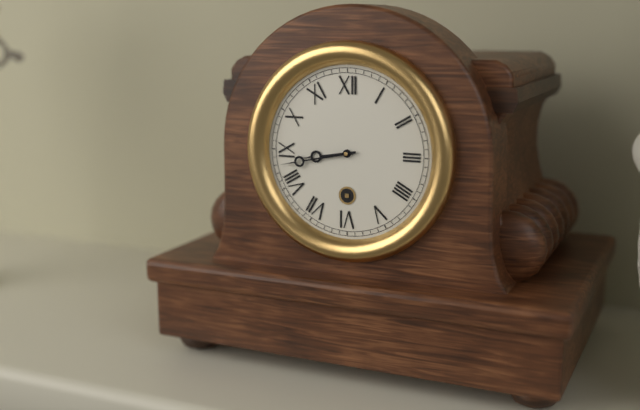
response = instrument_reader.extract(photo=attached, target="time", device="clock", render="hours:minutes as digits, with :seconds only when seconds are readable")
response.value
8:43
